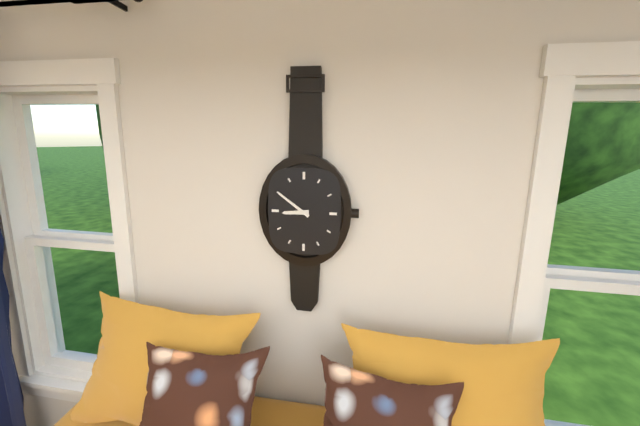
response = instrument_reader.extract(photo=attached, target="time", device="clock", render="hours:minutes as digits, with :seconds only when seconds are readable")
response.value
8:51
